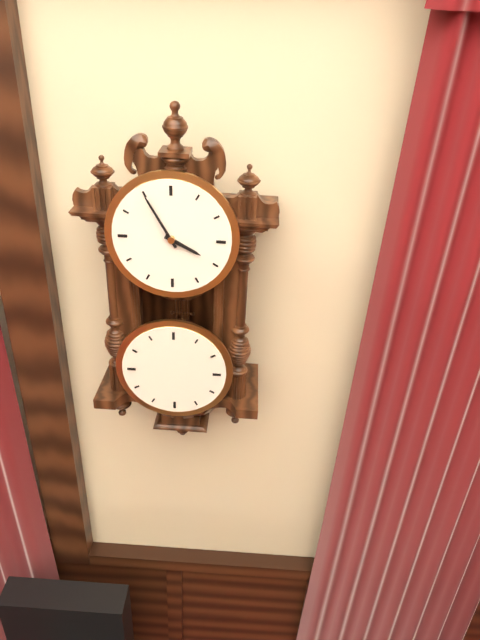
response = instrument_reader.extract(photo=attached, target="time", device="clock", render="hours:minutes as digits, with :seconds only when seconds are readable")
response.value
3:55
